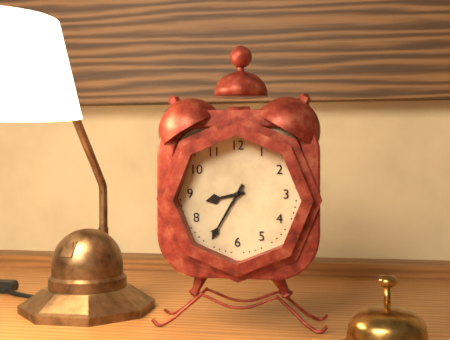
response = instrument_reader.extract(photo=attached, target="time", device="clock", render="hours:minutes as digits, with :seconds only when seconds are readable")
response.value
8:35
